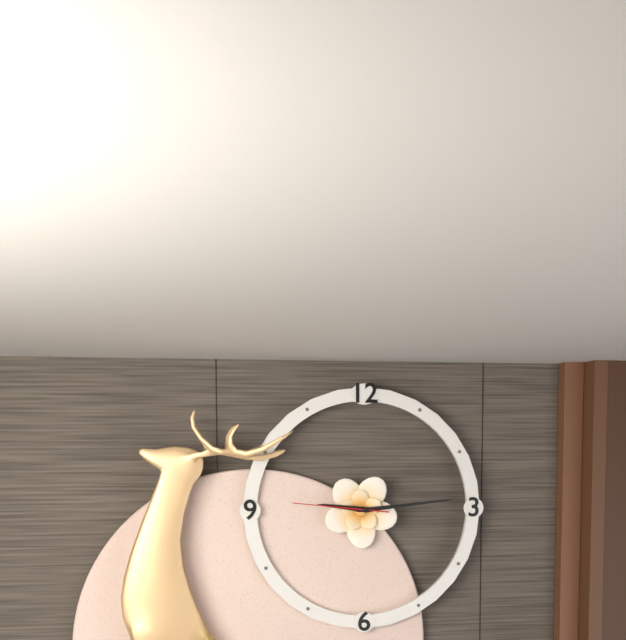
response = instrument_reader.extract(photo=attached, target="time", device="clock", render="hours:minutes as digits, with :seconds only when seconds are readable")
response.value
9:14:46
